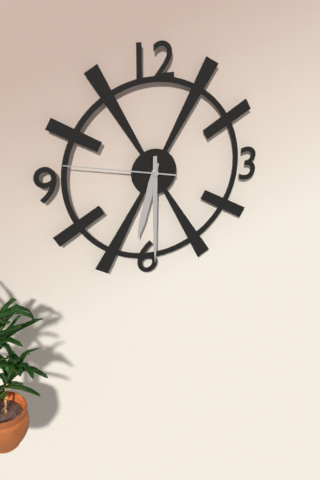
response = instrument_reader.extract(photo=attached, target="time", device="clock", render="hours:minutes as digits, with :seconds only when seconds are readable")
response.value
6:30:47
